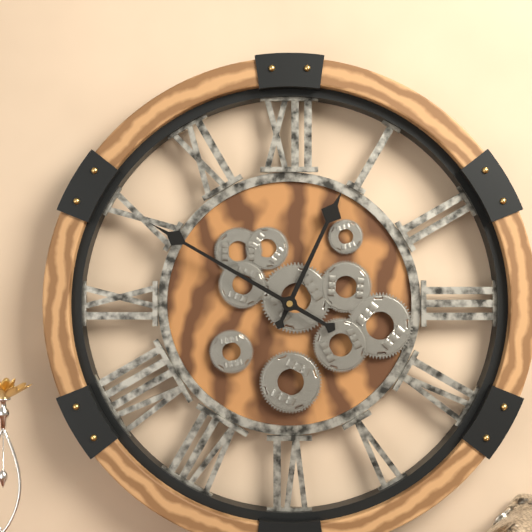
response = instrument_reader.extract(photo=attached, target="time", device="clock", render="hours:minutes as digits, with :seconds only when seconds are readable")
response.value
12:50
